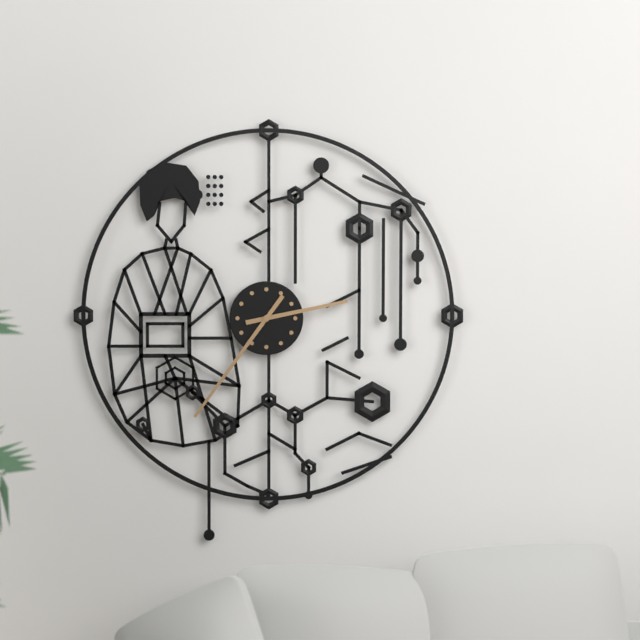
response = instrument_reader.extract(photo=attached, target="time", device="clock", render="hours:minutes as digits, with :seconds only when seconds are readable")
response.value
2:36
